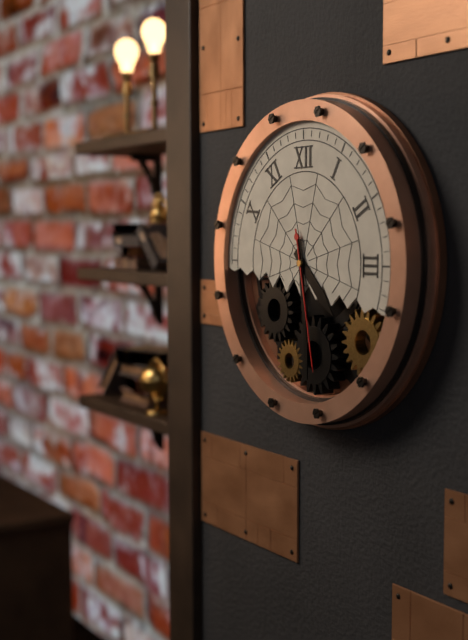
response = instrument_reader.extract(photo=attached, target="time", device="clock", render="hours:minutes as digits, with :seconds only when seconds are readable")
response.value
4:29:28
